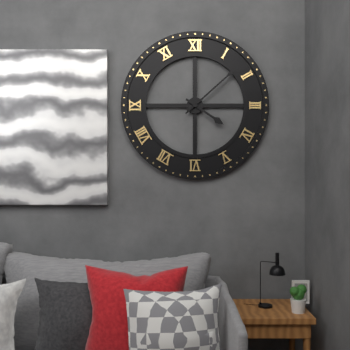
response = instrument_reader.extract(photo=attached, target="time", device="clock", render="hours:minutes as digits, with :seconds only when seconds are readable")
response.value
4:08
